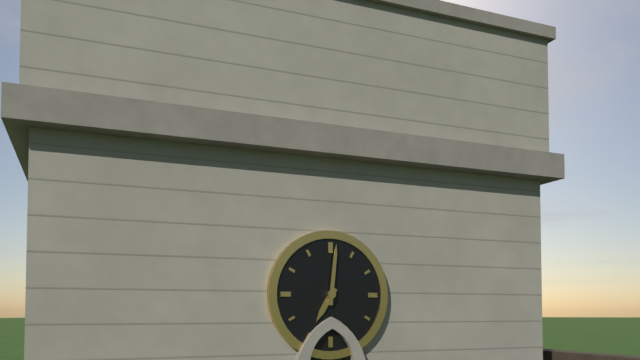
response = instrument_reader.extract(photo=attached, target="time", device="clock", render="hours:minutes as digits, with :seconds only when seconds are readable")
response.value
7:01
